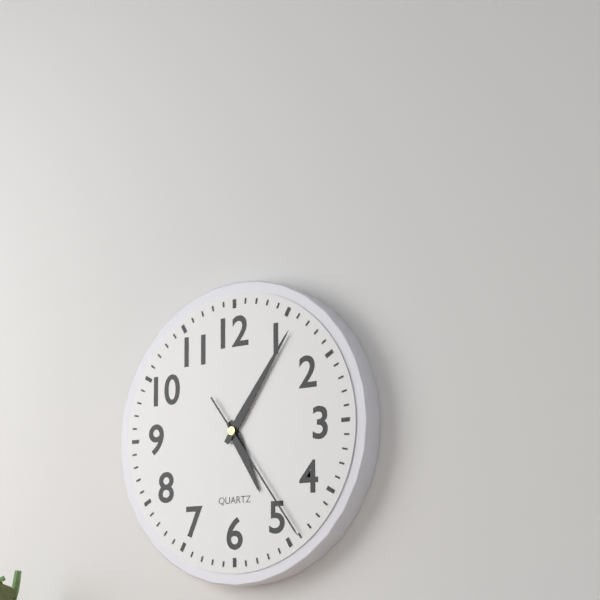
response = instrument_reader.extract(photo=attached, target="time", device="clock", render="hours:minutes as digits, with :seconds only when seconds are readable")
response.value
5:06:24
